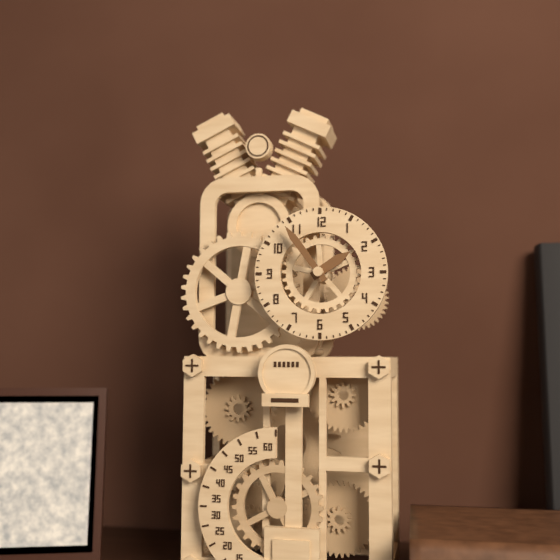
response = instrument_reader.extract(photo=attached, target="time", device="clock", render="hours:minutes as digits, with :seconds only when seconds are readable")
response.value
1:54
